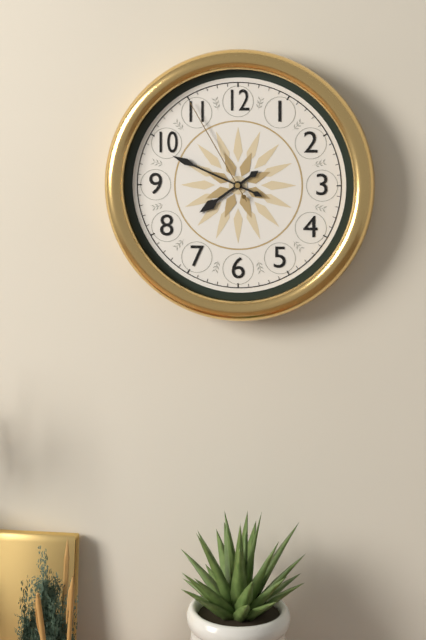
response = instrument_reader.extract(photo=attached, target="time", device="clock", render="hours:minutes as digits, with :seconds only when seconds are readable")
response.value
7:49:55
